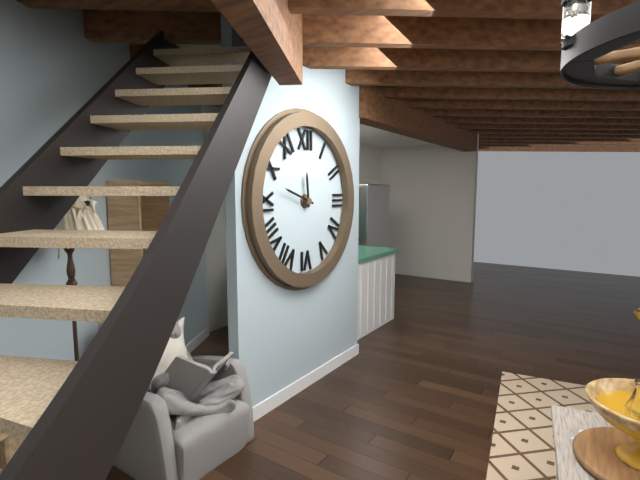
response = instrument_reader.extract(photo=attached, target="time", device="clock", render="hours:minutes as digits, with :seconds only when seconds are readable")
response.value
11:48
